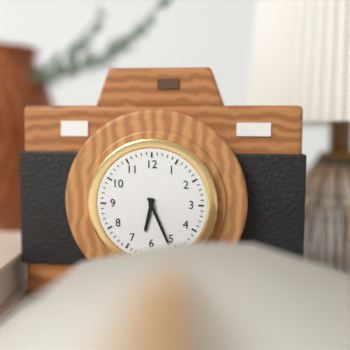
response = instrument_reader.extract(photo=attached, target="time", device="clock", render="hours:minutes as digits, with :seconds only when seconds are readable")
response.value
6:26
